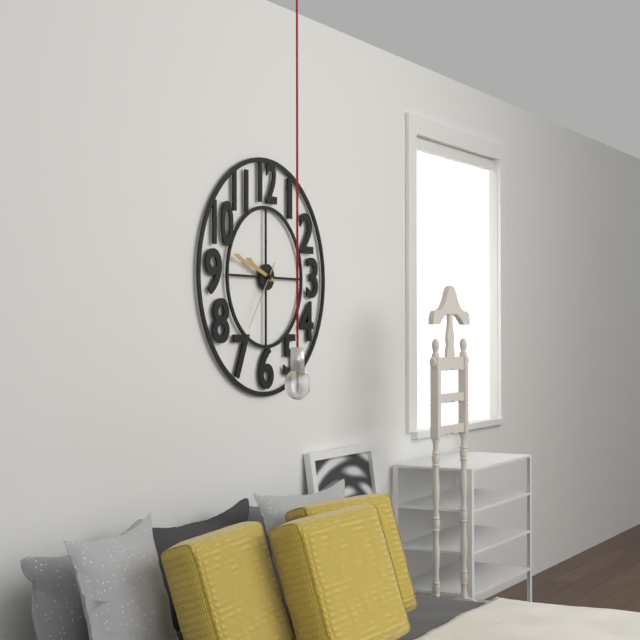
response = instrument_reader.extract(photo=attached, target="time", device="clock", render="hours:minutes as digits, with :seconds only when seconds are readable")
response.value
9:48:36
